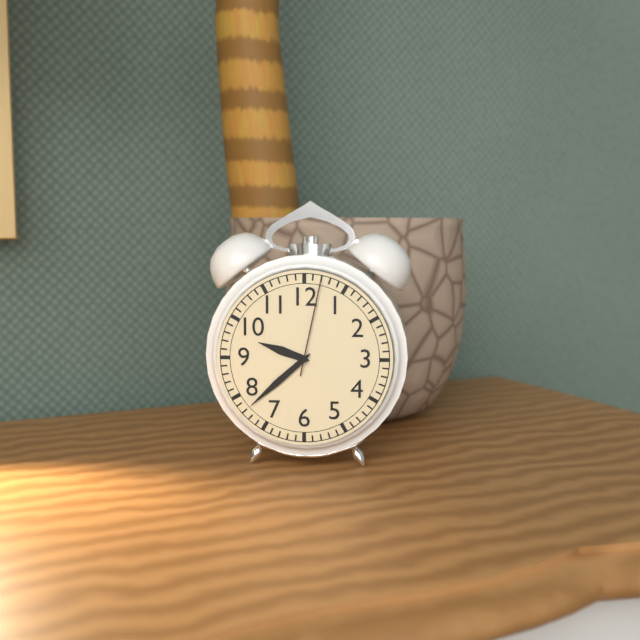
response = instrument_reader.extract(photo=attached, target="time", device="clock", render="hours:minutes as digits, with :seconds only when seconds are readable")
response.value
9:38:02
